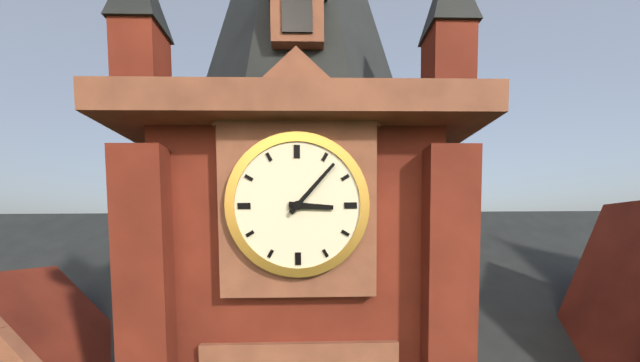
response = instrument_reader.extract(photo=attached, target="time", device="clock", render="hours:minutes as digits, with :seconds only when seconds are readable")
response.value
3:07
